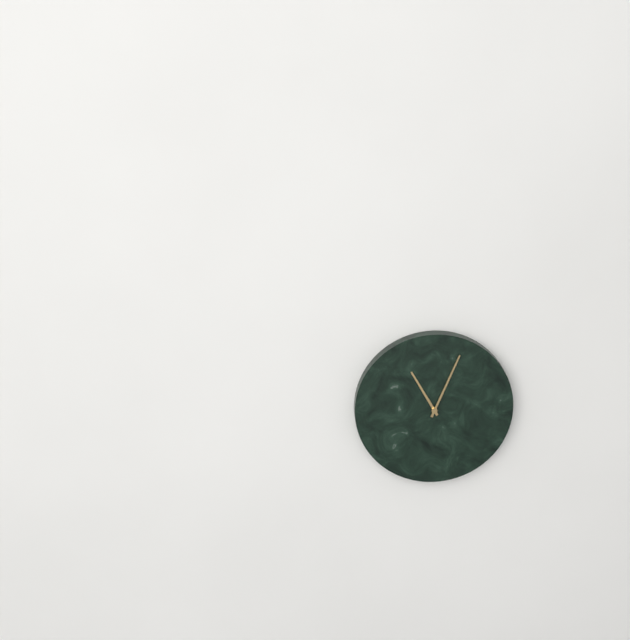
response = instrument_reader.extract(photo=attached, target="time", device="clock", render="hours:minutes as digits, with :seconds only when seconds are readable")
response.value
11:04
